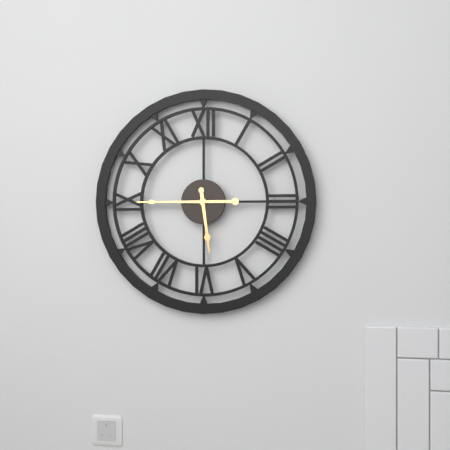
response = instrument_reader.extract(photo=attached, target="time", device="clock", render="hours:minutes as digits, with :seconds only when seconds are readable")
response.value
5:45
